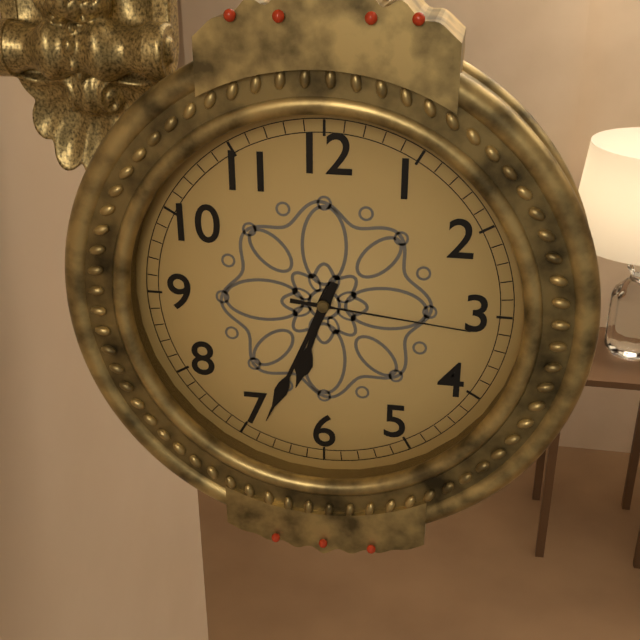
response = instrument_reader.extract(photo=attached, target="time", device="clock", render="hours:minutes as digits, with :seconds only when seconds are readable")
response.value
6:34:16
